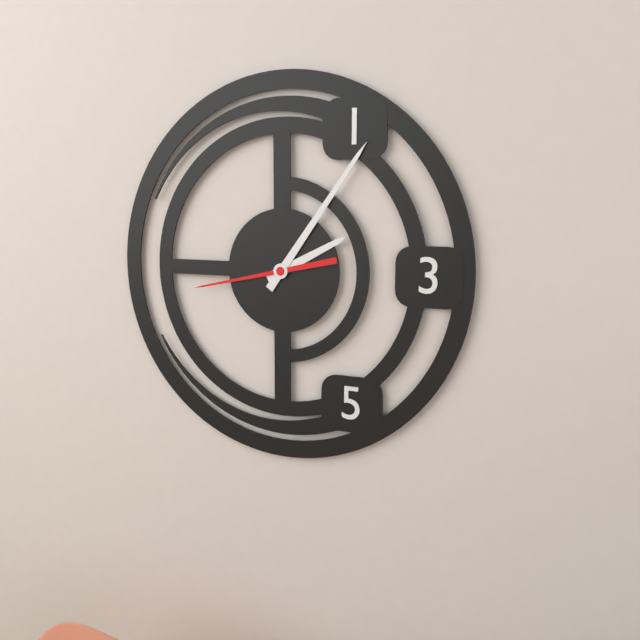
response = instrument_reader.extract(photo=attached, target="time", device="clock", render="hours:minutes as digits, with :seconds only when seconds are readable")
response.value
2:06:43
